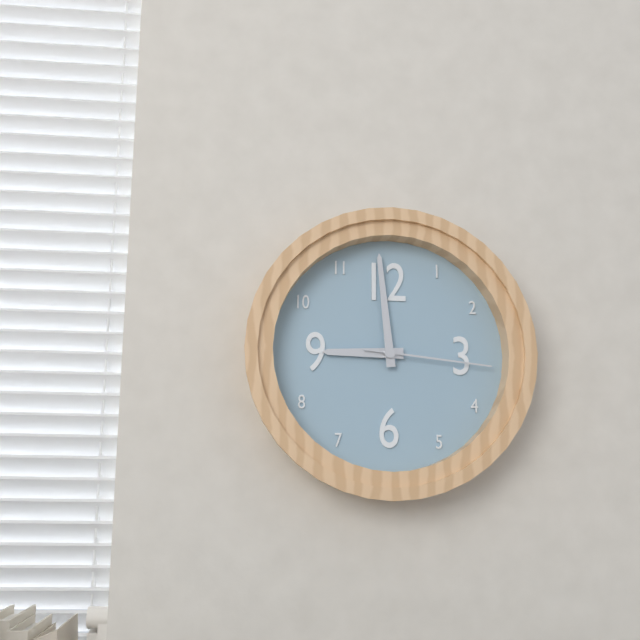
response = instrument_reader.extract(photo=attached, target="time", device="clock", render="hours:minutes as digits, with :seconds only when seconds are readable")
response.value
8:59:16
